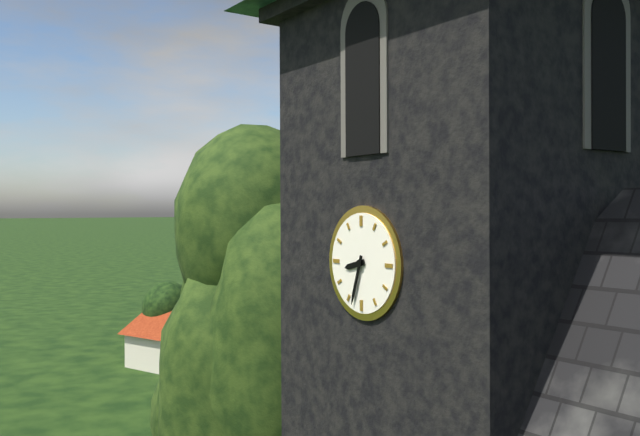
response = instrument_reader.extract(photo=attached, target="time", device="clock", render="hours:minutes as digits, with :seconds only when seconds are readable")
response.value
8:33
